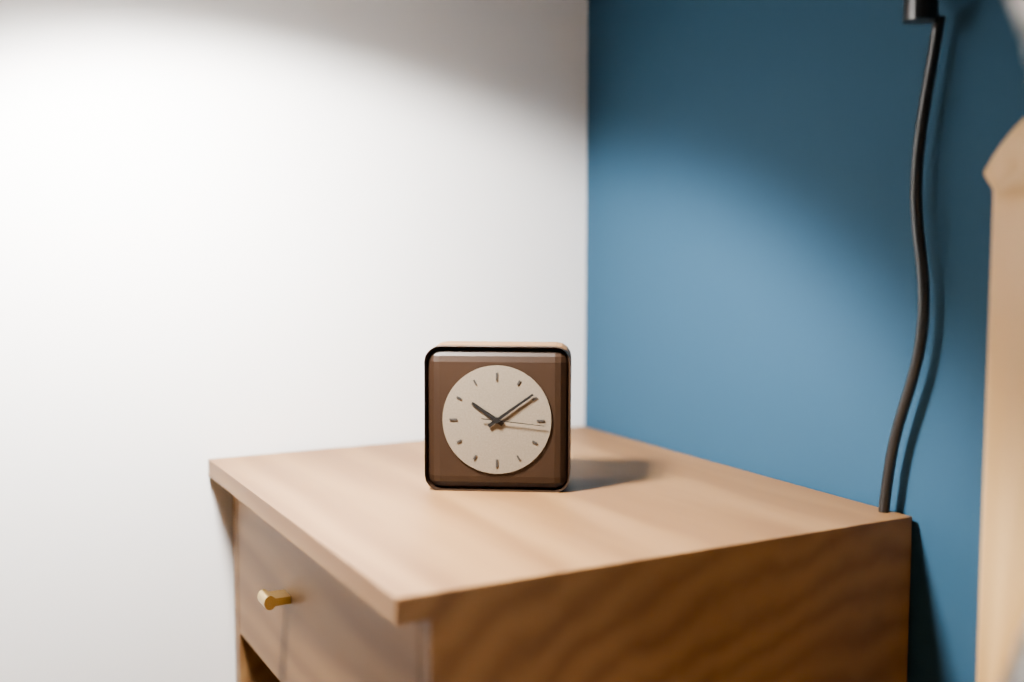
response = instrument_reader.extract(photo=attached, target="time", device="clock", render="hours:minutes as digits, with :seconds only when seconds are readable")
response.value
10:09:16
